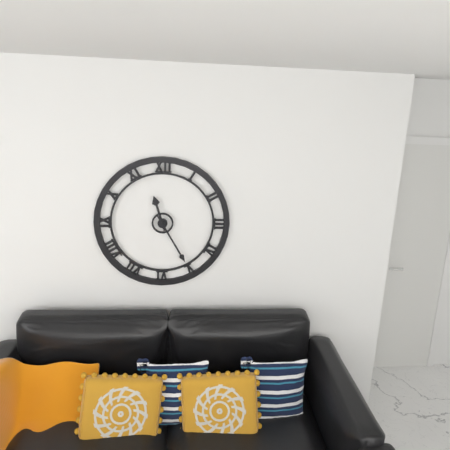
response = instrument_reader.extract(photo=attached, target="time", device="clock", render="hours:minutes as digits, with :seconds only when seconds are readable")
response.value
11:25
